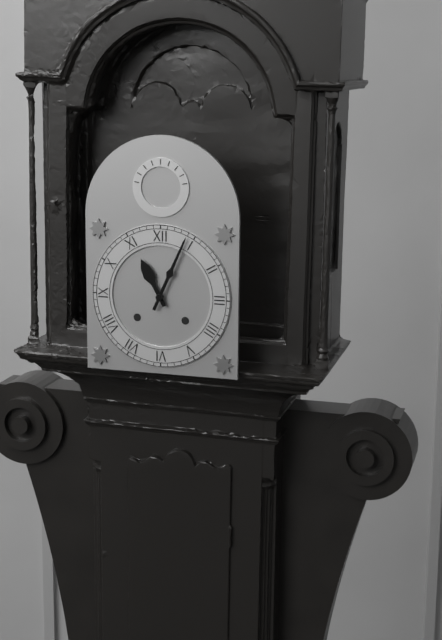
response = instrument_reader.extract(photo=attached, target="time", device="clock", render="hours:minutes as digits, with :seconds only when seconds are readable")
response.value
11:04
